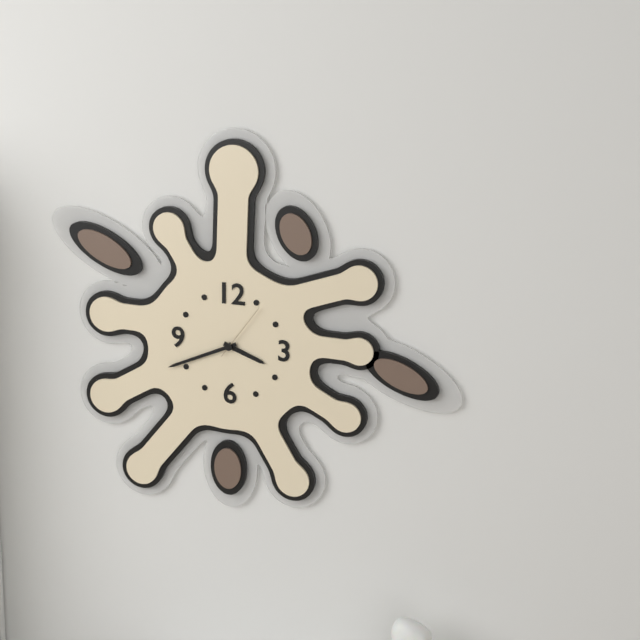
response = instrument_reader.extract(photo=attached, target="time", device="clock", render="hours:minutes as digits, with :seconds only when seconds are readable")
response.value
3:41:06
